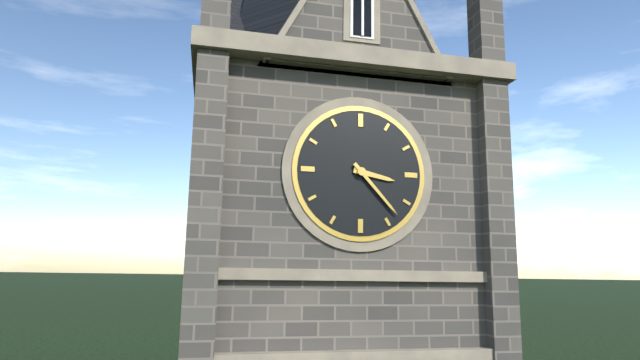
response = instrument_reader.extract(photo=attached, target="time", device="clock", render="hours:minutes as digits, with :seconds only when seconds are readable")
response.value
3:23
